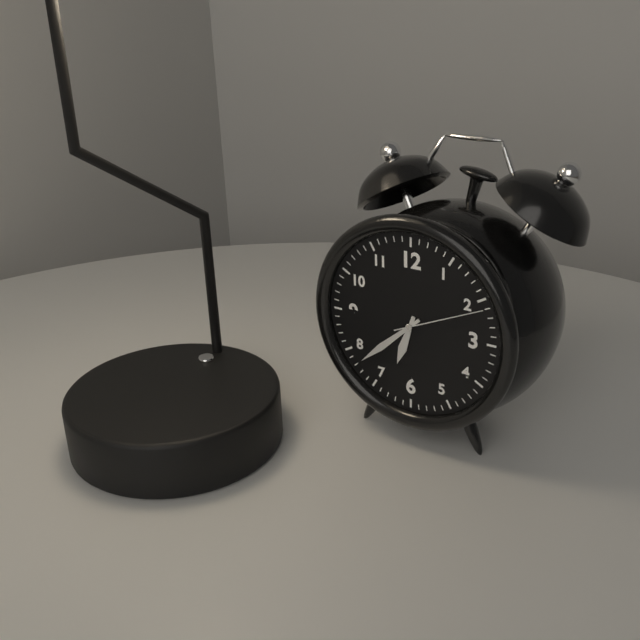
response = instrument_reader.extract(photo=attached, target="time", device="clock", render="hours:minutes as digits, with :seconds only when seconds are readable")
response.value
6:38:11
